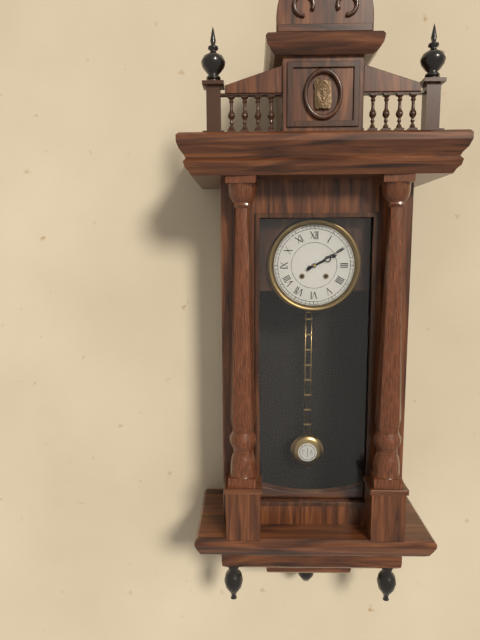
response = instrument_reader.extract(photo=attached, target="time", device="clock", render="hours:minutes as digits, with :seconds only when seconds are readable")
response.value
2:10
